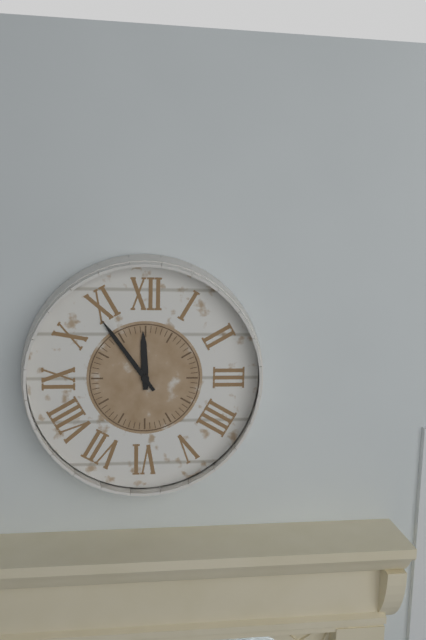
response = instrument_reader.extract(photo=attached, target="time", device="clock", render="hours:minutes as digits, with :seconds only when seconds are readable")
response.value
11:54
